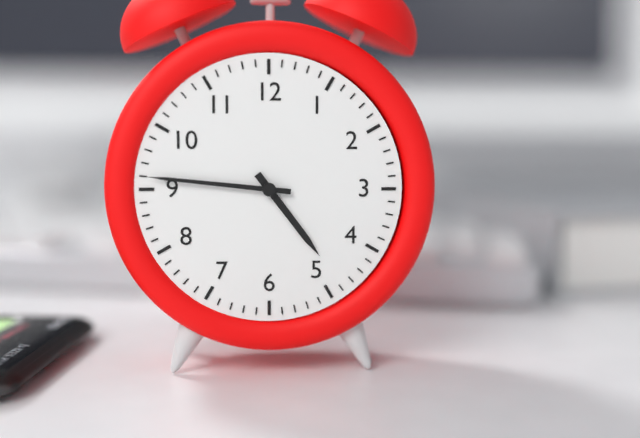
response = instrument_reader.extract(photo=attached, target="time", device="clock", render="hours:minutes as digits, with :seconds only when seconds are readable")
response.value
4:46
